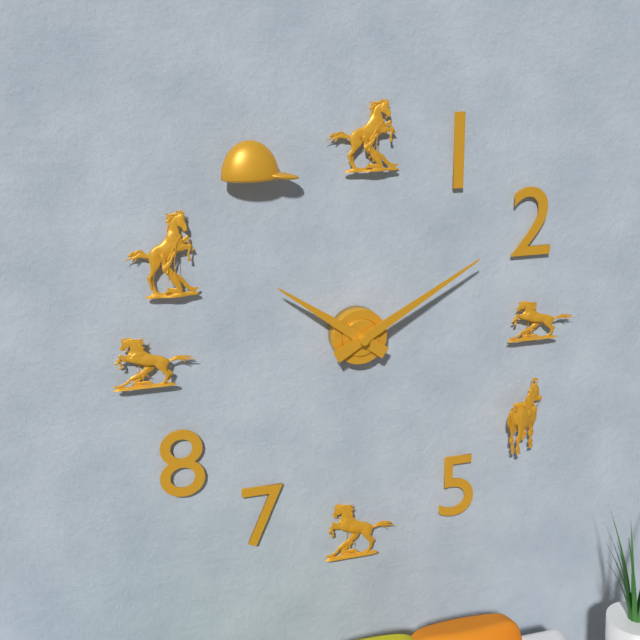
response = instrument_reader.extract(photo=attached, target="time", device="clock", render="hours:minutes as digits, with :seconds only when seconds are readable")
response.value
10:10
